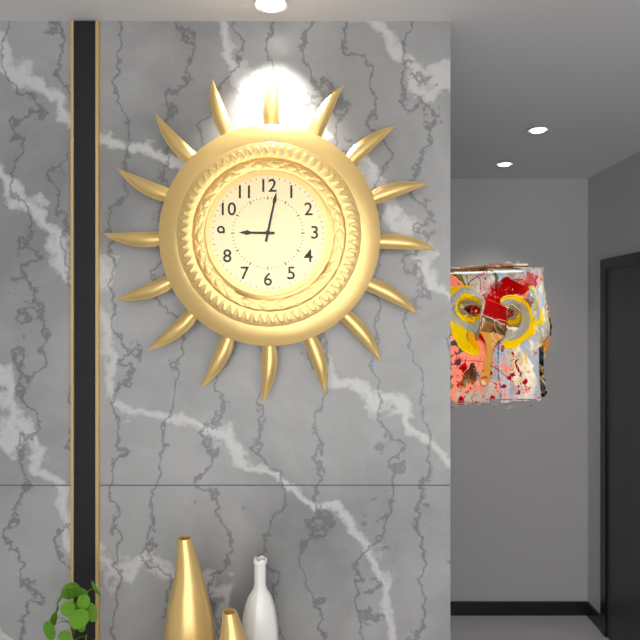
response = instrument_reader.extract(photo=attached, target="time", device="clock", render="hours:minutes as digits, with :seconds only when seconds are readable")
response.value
9:02
